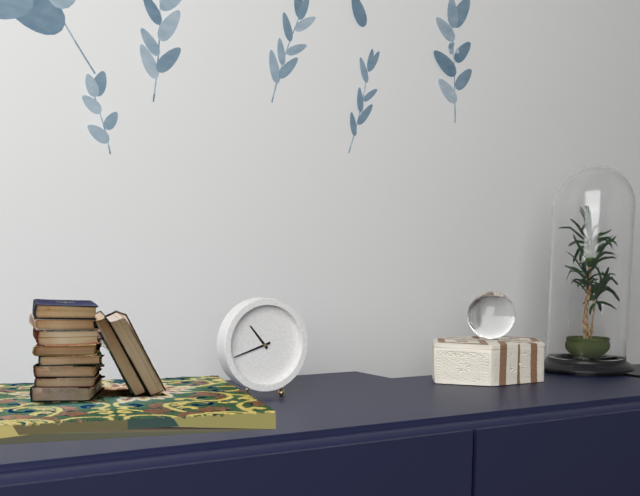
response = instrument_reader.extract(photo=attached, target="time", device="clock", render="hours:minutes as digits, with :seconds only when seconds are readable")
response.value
10:42
